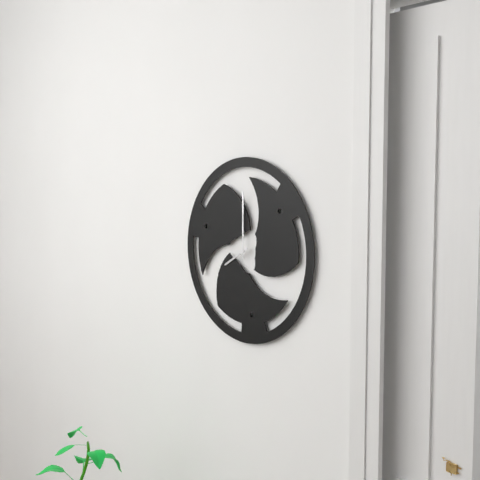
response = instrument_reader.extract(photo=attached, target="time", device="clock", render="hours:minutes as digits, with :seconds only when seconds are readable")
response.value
8:00
